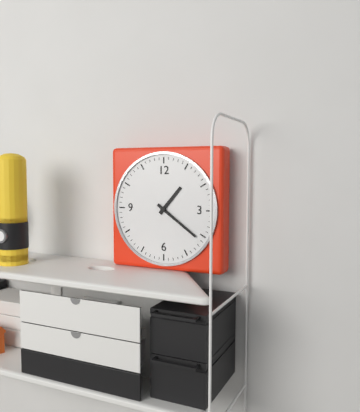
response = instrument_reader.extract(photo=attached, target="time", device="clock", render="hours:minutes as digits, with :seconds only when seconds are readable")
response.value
1:21
